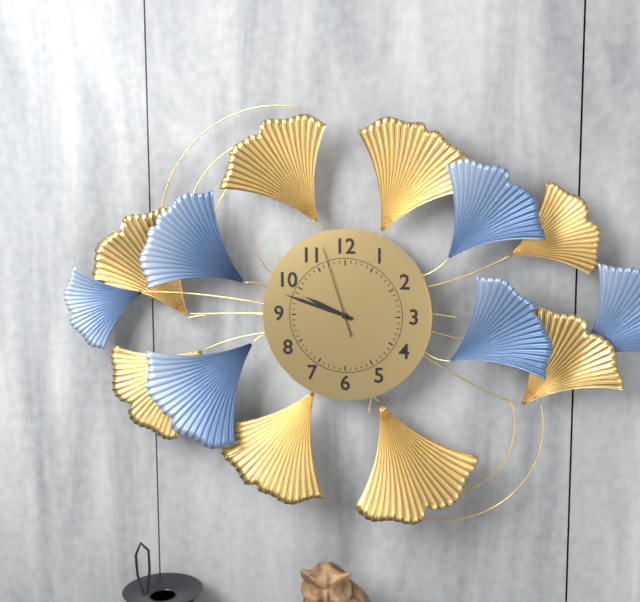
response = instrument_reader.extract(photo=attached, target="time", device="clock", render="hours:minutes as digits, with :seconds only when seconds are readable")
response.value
9:48:57
